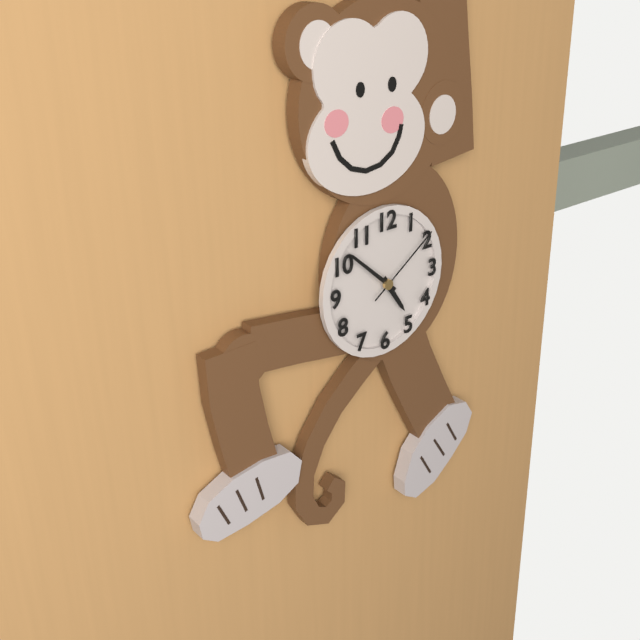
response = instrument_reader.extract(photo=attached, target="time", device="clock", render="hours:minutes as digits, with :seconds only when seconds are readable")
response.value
4:52:09
